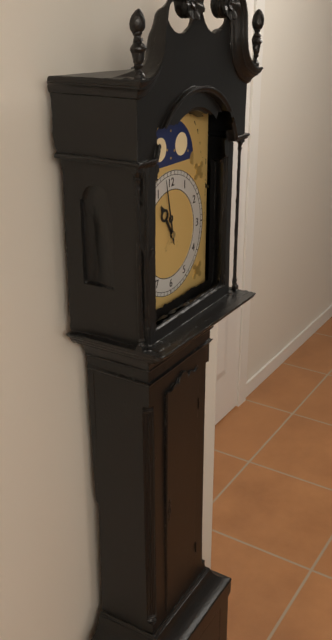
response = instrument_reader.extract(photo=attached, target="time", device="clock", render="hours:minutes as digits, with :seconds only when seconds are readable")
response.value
10:58
